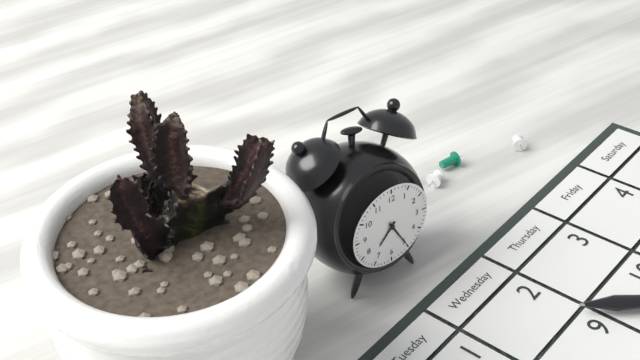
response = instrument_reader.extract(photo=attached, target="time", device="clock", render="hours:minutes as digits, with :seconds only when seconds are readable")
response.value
7:25
